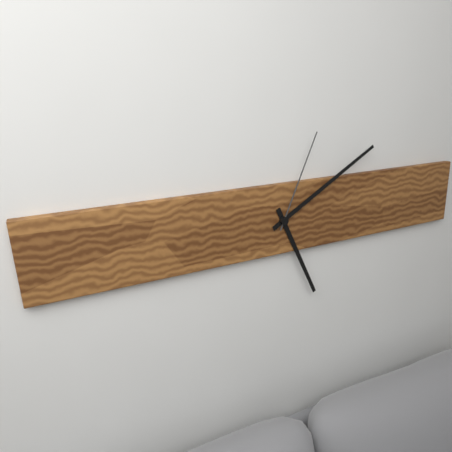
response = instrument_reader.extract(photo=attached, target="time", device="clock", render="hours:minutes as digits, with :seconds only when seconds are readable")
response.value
5:10:04
